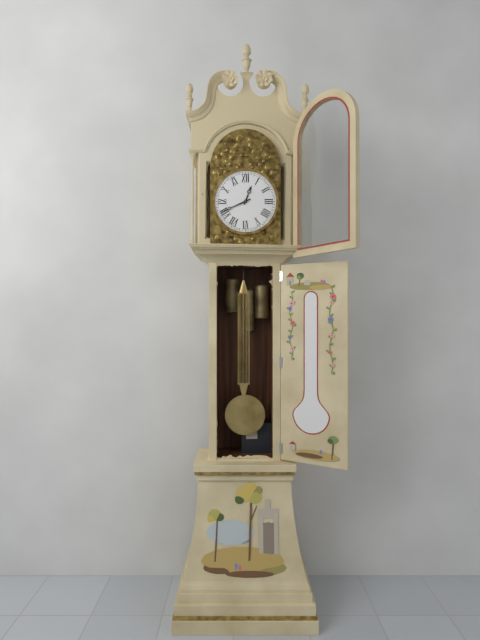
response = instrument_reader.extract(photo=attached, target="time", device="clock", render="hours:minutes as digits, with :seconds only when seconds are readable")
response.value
12:41
